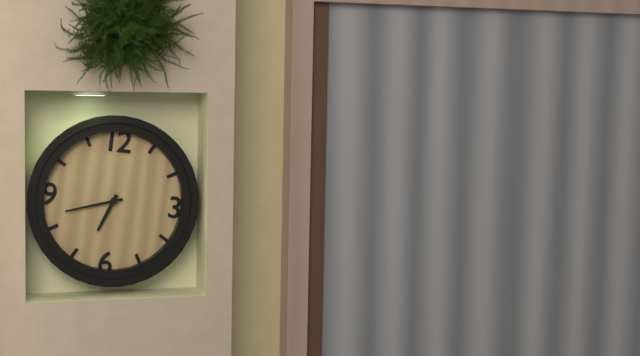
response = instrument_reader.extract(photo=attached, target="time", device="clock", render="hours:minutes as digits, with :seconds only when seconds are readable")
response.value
6:42
